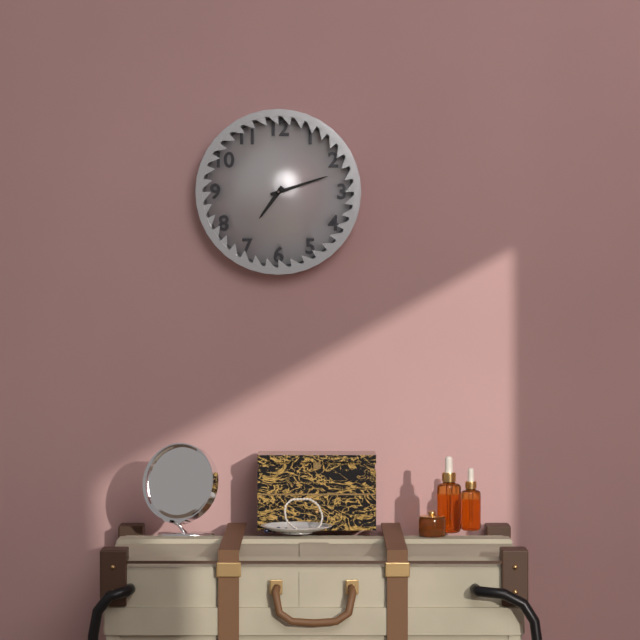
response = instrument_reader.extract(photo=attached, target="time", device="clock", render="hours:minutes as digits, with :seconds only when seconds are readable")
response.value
7:12
